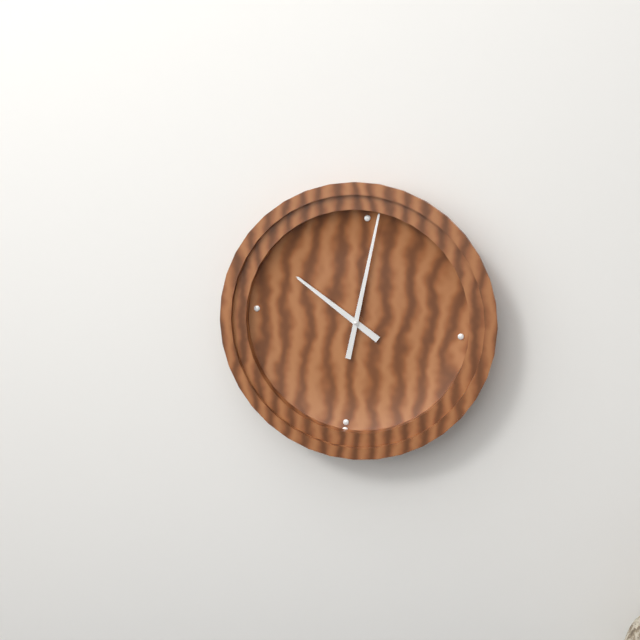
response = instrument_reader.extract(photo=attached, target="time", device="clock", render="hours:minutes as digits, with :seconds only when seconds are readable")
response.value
10:01
